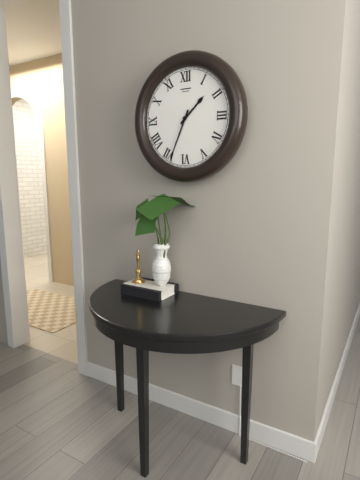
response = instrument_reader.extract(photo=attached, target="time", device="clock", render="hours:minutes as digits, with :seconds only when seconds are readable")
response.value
1:34
